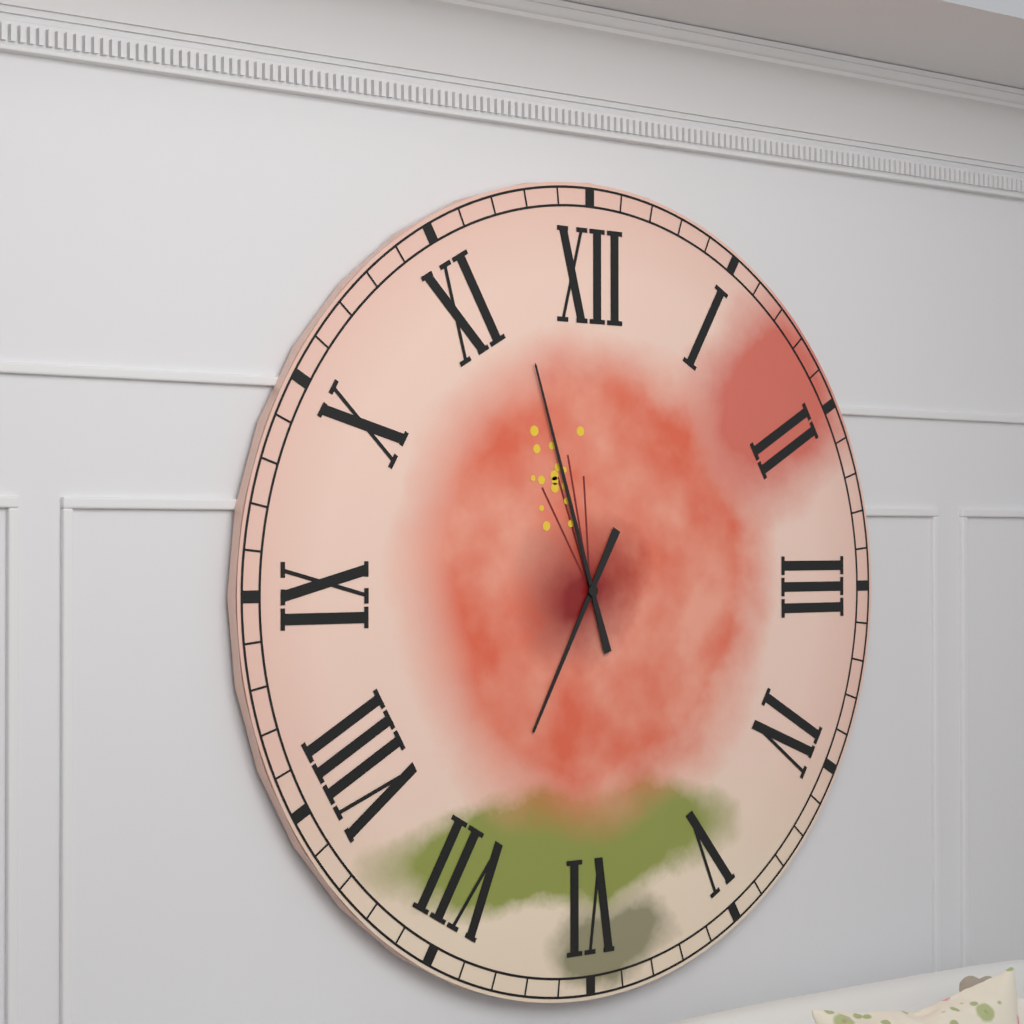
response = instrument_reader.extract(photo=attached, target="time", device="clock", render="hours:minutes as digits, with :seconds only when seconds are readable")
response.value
6:57
